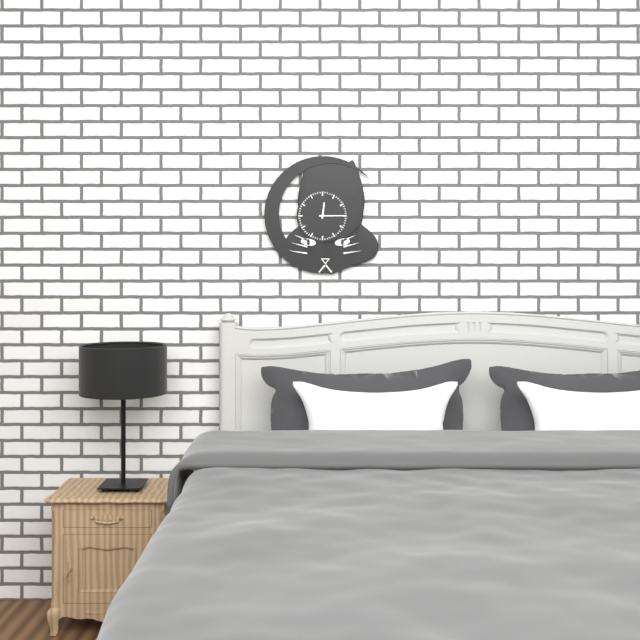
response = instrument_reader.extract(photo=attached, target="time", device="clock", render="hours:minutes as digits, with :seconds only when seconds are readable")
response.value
12:15
